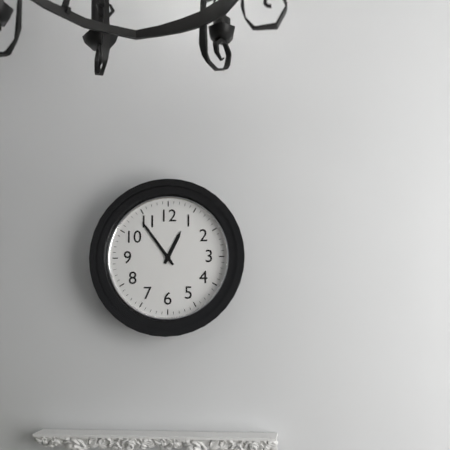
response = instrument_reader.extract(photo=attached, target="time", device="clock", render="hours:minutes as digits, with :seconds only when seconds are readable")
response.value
12:54
